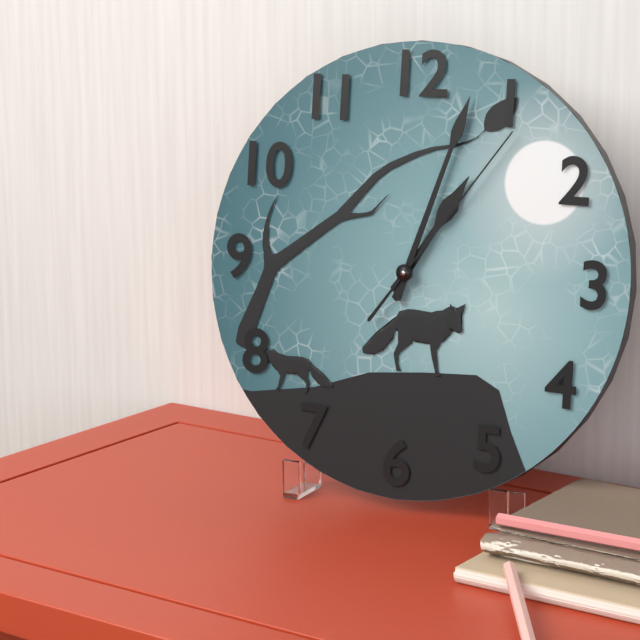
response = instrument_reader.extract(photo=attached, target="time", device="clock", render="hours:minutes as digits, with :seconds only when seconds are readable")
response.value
1:03:06
